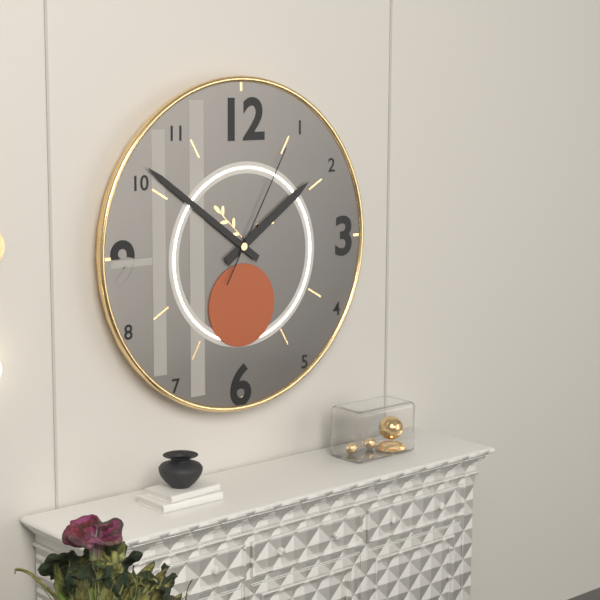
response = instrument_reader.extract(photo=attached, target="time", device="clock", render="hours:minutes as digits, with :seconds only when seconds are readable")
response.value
1:51:05
